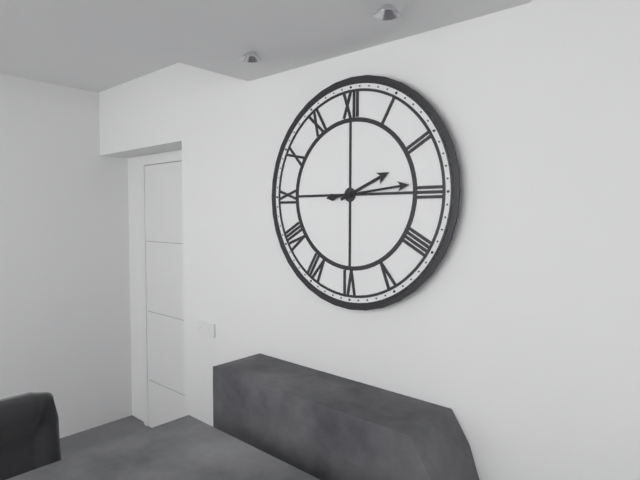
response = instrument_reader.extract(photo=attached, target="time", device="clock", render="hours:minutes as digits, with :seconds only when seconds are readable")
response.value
2:14
